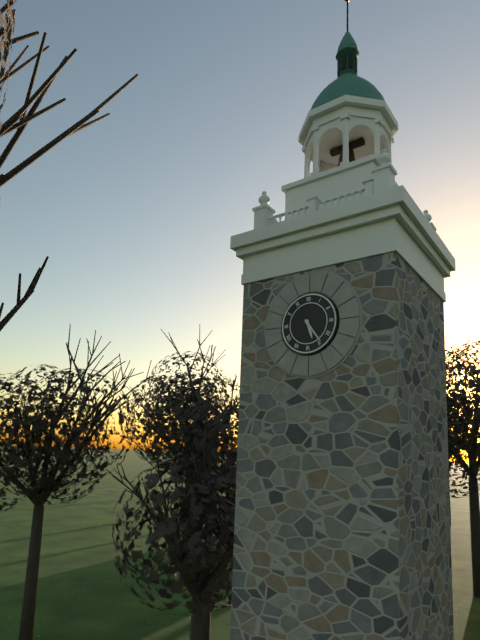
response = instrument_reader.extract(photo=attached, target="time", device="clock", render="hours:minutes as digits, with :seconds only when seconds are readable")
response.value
5:24
